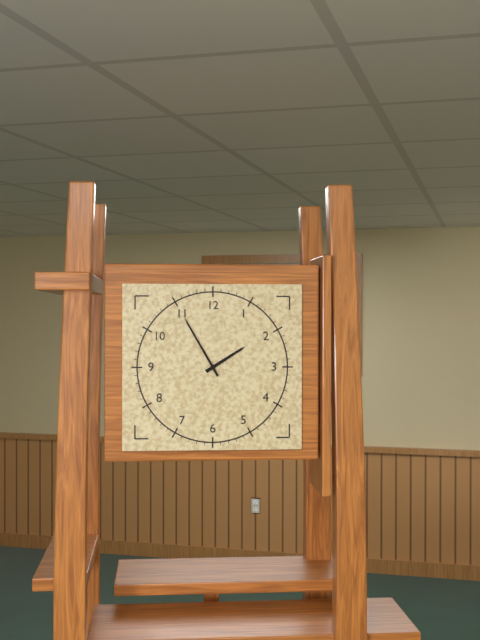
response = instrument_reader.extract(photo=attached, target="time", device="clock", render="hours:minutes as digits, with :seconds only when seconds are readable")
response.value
1:55
